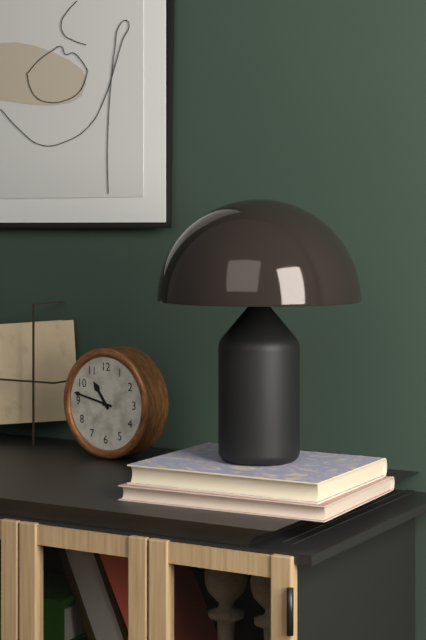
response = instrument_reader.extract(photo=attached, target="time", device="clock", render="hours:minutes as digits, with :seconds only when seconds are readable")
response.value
10:47
